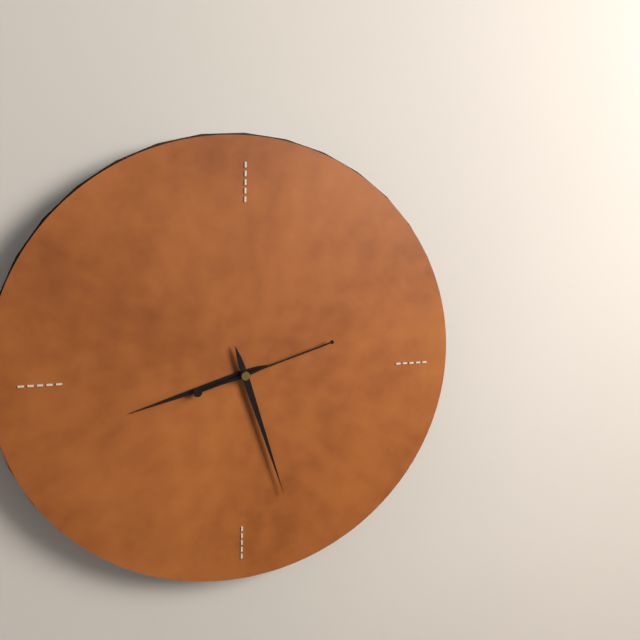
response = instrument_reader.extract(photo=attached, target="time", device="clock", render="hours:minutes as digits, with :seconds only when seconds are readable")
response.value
8:27:12
